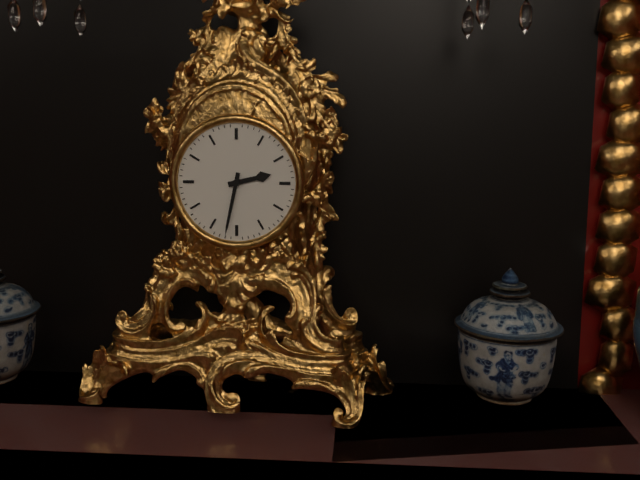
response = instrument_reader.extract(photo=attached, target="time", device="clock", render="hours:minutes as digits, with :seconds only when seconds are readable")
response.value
2:32
